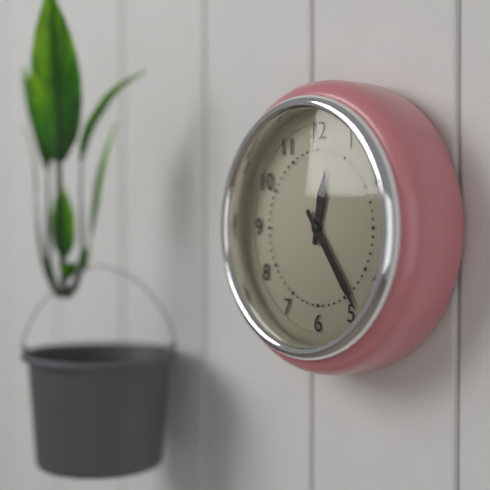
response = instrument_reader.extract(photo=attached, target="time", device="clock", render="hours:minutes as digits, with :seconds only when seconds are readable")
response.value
12:24
